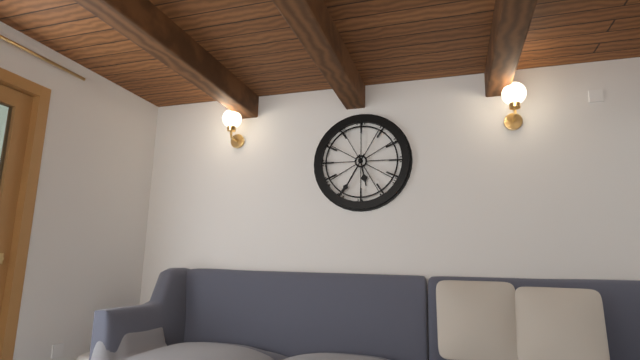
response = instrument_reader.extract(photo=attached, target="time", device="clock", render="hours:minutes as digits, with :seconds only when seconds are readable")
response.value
5:35
